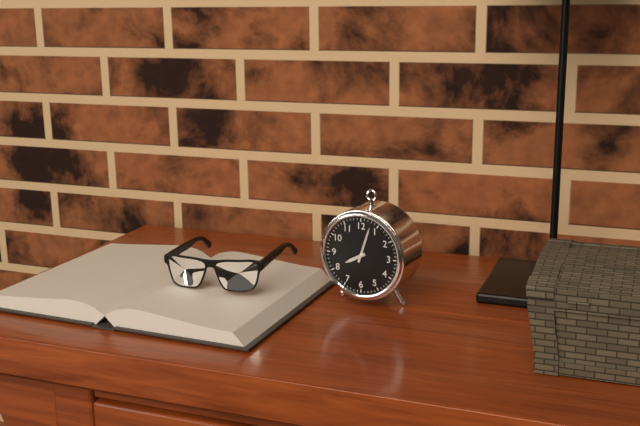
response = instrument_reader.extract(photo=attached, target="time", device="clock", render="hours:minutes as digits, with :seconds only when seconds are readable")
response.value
8:03
